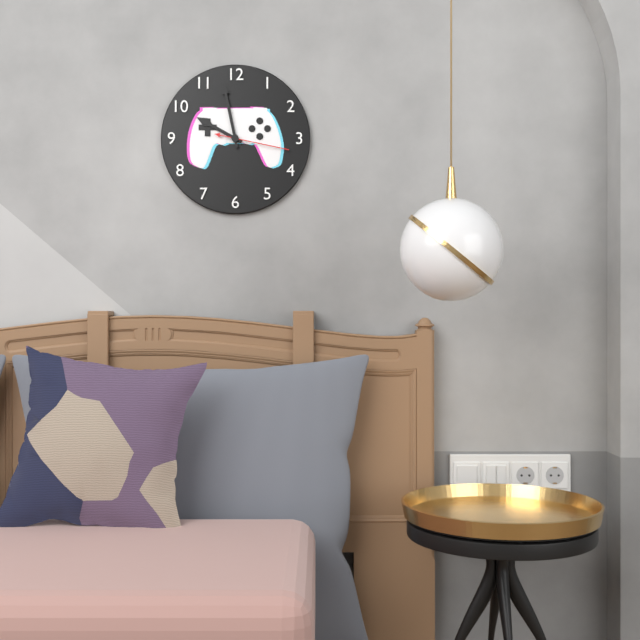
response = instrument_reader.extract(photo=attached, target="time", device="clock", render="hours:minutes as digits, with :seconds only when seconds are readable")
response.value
9:58:17
